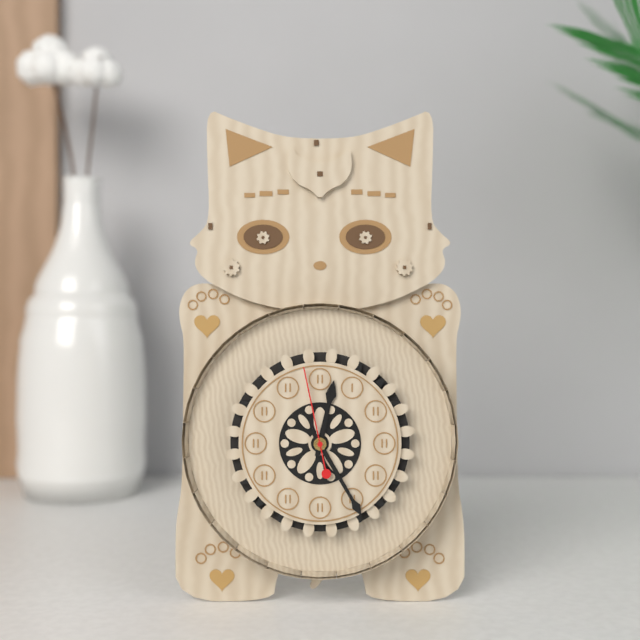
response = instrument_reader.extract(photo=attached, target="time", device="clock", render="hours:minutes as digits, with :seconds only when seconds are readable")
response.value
12:25:58
